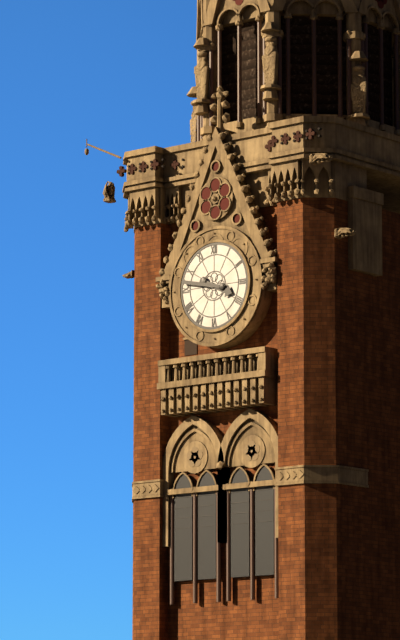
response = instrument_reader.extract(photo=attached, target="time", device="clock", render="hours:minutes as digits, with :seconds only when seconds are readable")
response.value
3:47
